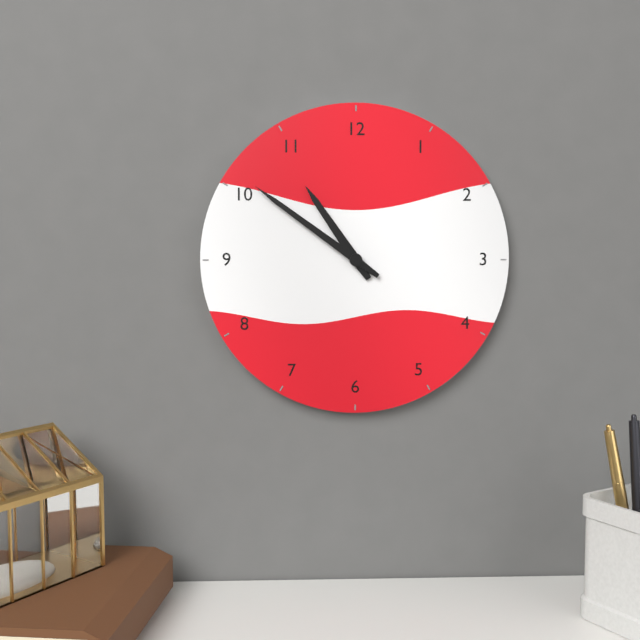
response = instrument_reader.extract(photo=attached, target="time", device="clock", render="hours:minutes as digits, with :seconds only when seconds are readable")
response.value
10:51
